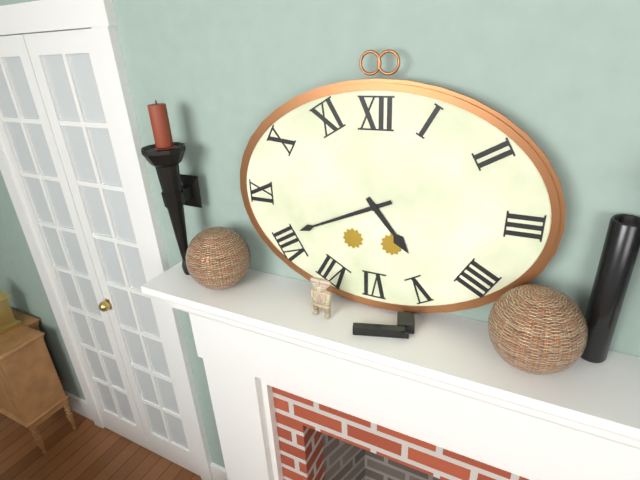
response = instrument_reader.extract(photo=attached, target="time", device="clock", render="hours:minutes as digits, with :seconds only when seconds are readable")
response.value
4:41
